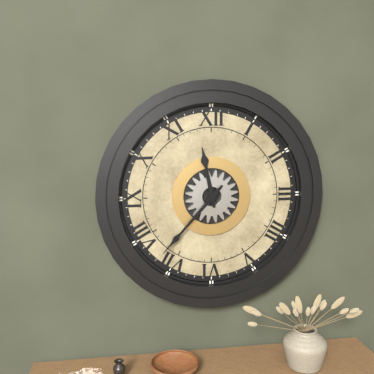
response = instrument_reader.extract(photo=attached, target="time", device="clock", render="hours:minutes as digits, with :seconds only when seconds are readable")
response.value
11:37
